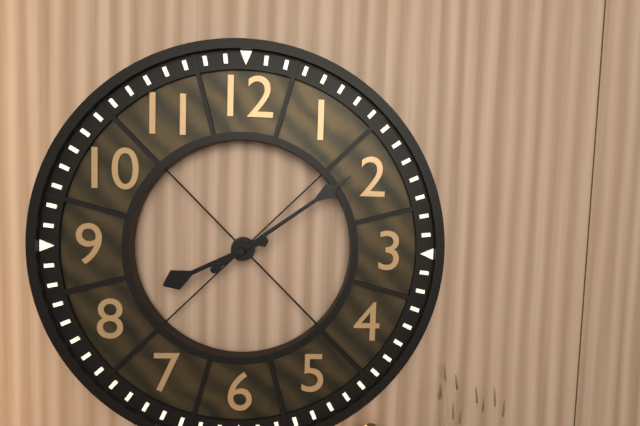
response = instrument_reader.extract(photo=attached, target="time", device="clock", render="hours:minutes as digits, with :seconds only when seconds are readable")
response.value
8:09
